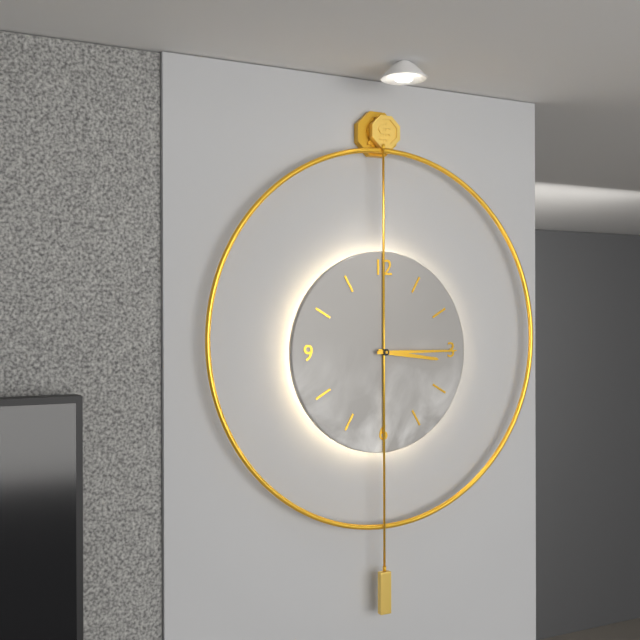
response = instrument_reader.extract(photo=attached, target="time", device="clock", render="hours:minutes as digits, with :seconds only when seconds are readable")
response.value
3:15
